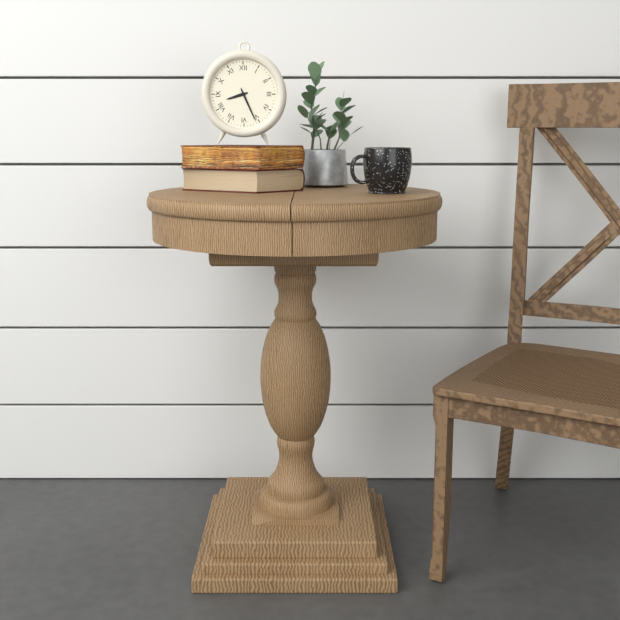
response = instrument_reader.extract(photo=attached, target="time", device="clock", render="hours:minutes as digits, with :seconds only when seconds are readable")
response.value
8:26
